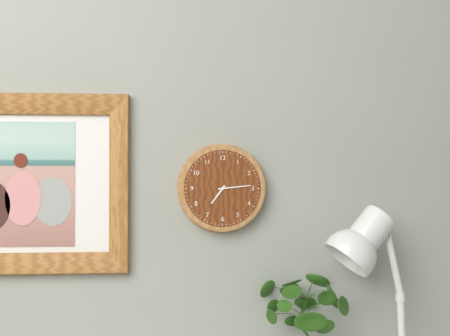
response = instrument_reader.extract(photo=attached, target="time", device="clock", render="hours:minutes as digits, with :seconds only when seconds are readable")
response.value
7:14
